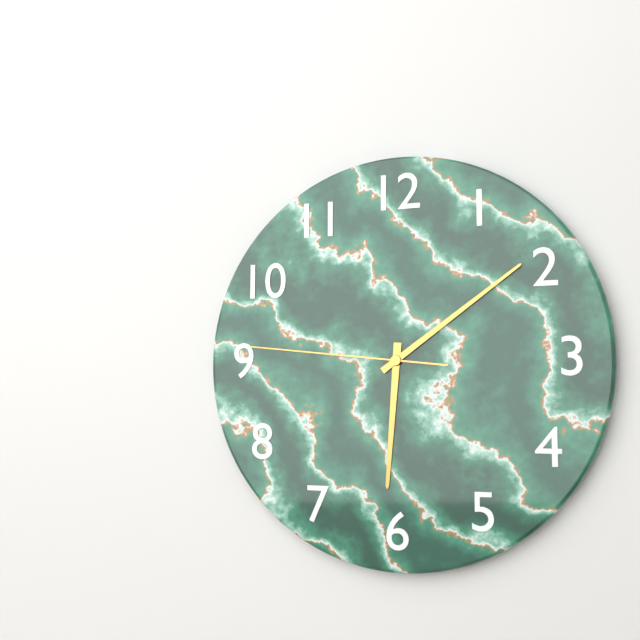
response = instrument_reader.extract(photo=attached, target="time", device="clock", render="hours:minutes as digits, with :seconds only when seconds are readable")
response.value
6:09:46
